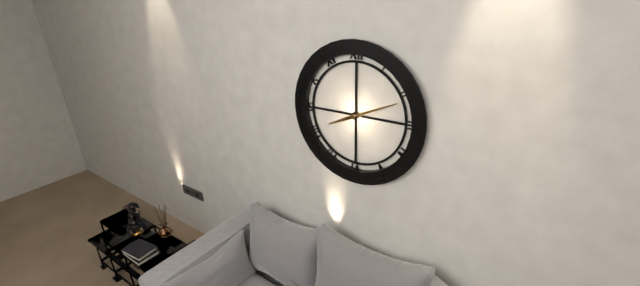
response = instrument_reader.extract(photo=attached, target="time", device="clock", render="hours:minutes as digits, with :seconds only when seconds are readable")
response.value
8:11
